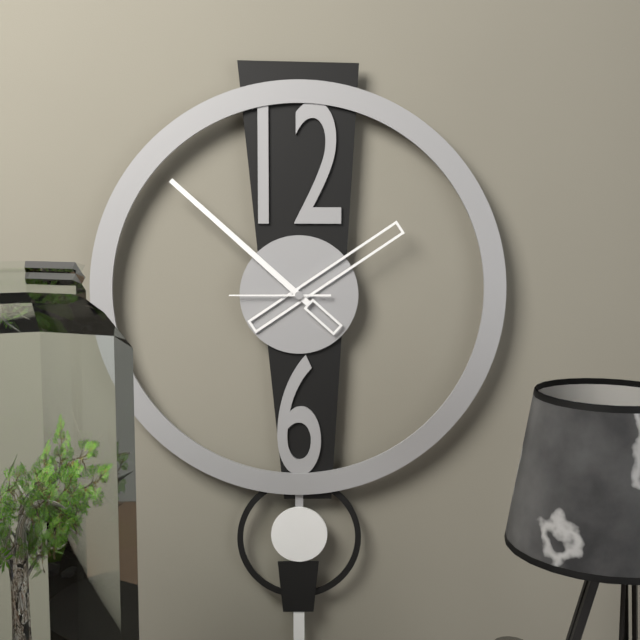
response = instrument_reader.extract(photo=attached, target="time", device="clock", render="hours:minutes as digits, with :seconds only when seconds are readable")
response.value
1:52:45
